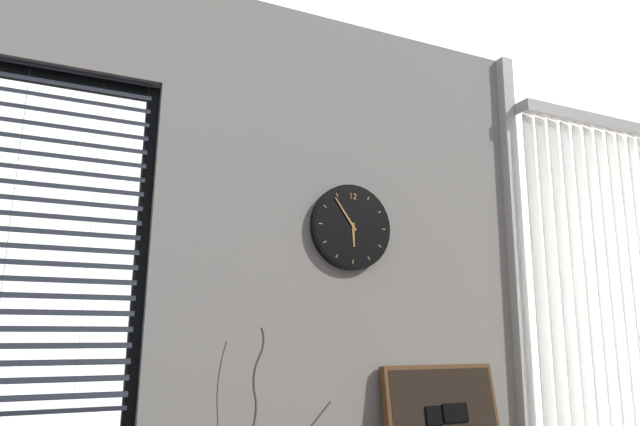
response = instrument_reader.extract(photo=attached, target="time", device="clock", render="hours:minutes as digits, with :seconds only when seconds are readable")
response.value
5:54
